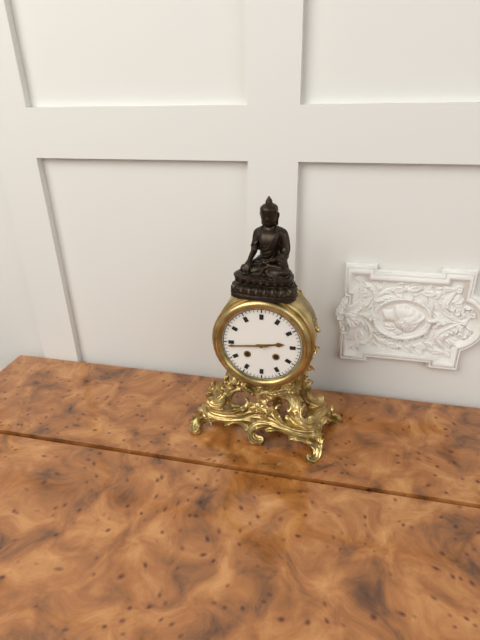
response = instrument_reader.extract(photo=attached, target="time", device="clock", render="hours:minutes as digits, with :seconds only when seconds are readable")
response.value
2:44
